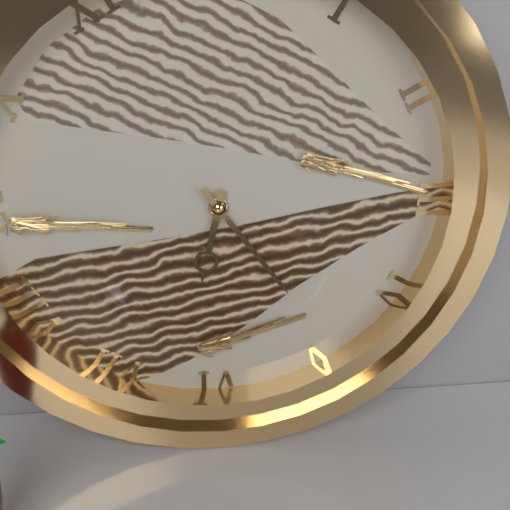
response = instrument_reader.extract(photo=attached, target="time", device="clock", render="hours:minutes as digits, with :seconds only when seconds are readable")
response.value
6:24
